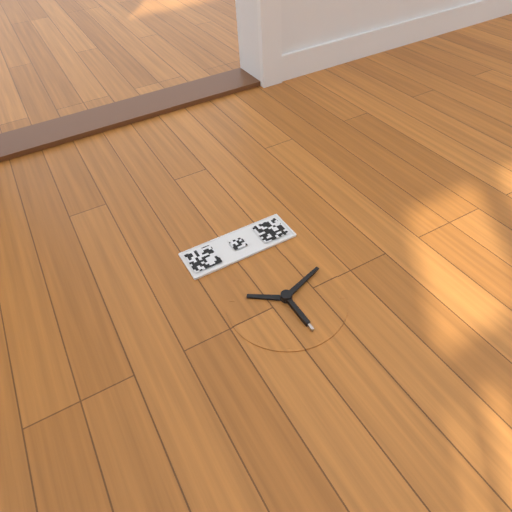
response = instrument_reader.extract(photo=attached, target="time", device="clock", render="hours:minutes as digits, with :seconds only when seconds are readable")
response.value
10:12
